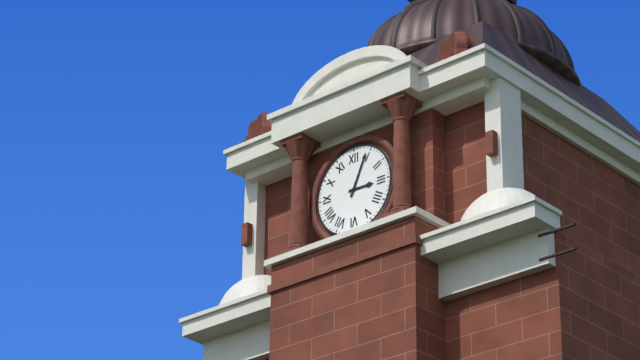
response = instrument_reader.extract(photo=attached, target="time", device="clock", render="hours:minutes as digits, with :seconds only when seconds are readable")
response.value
3:04
